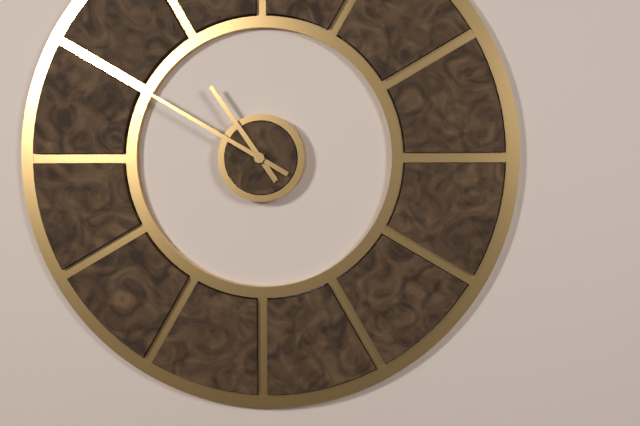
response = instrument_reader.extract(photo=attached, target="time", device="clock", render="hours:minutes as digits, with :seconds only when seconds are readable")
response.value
10:50
